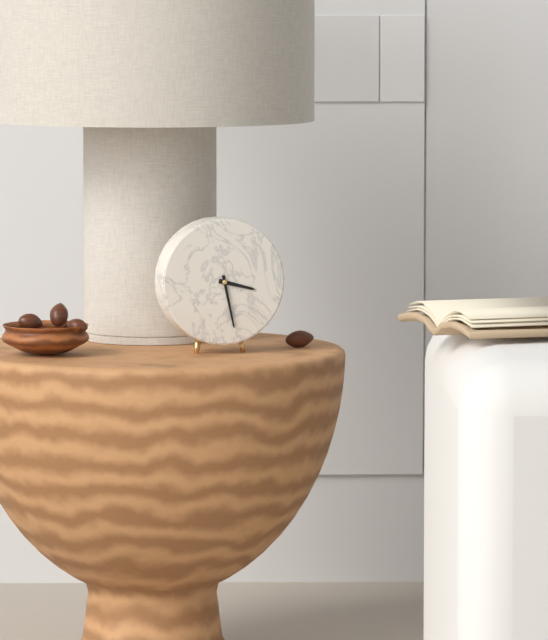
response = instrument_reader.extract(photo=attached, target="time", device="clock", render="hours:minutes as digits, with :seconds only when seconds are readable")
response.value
3:28
